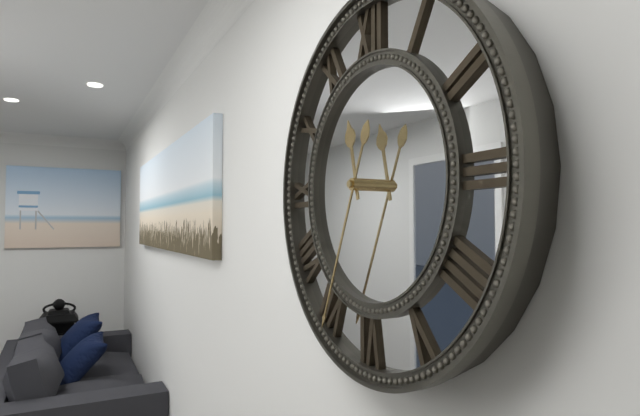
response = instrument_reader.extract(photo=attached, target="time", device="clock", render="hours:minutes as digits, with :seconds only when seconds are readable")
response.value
11:34
